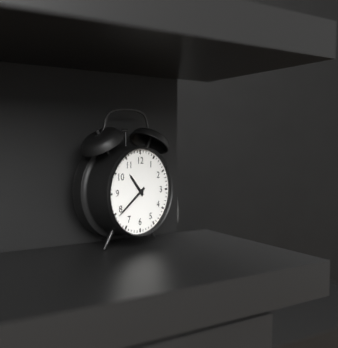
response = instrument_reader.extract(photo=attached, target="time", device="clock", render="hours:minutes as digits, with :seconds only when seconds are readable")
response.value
10:39
